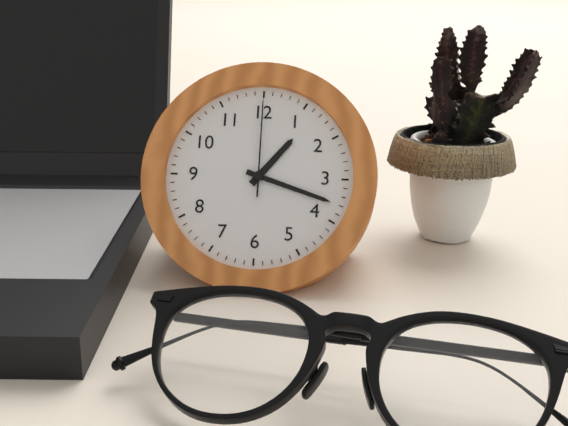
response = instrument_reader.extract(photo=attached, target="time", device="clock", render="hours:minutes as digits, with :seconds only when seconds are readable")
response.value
1:18:00
